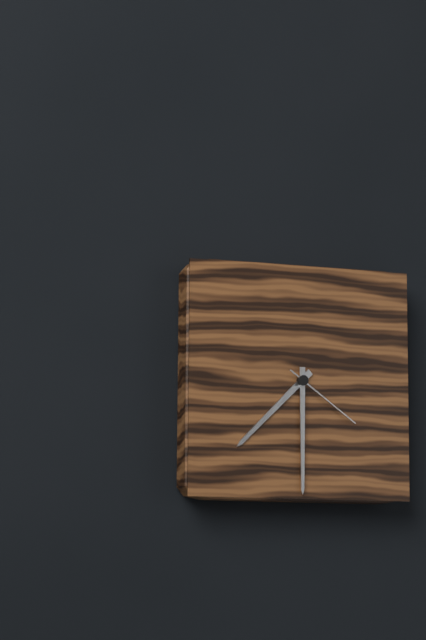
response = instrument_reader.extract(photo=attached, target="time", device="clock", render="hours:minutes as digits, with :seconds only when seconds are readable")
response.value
7:30:21
